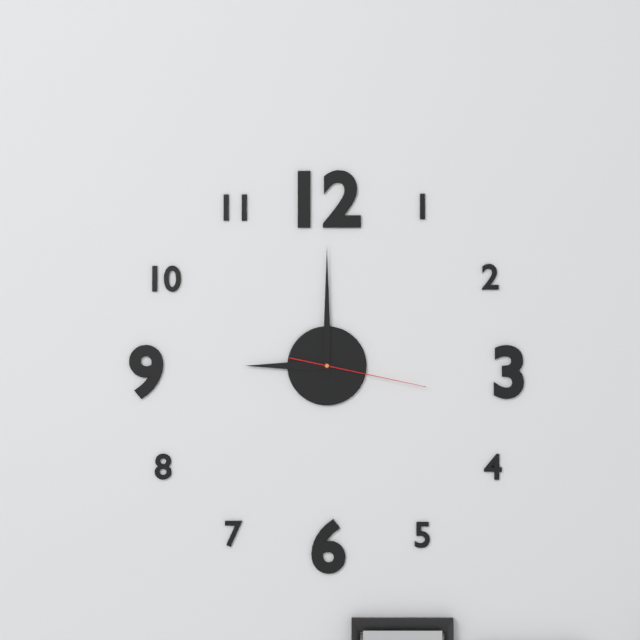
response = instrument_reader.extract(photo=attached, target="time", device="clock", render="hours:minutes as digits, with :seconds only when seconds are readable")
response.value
9:00:17
